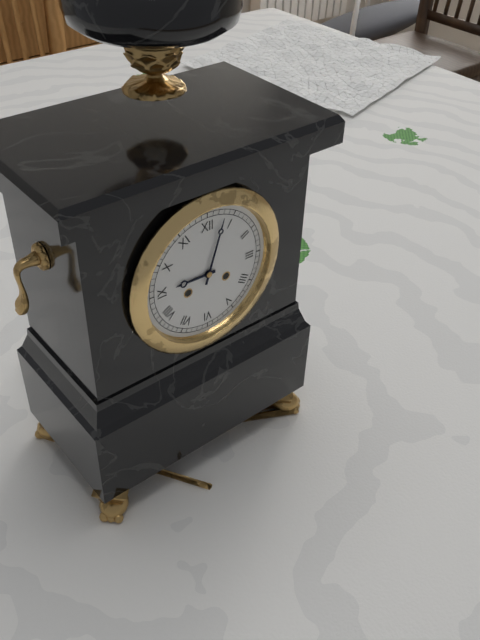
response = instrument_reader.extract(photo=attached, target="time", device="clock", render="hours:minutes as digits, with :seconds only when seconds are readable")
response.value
9:03
